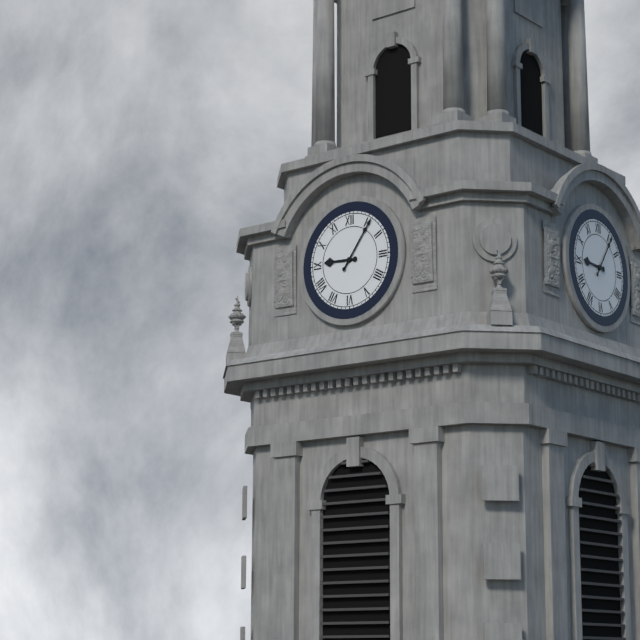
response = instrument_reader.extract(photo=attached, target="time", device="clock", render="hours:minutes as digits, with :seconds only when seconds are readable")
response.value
9:06
